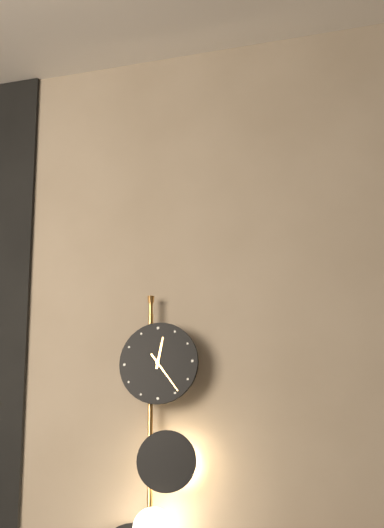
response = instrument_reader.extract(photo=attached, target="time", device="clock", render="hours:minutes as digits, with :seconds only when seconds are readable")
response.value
12:24
